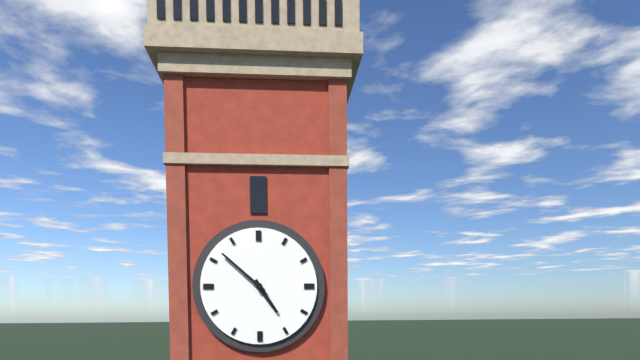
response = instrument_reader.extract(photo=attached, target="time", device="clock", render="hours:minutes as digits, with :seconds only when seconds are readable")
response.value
4:52
